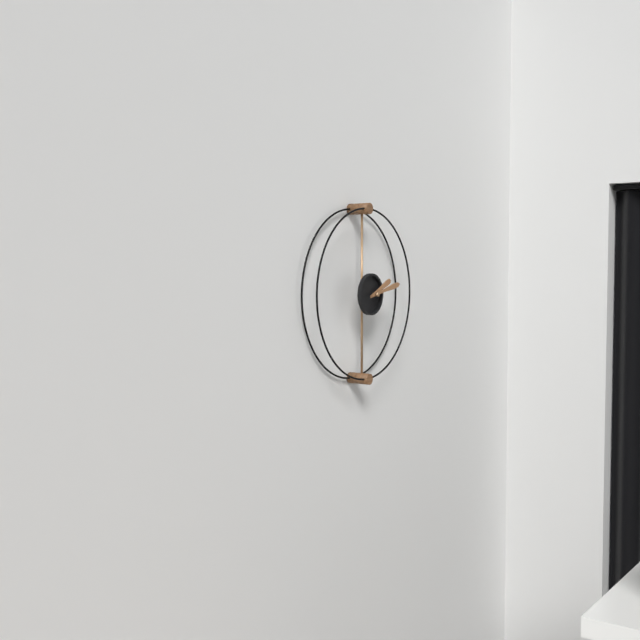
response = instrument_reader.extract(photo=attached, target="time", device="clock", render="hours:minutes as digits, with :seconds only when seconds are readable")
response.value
2:13
